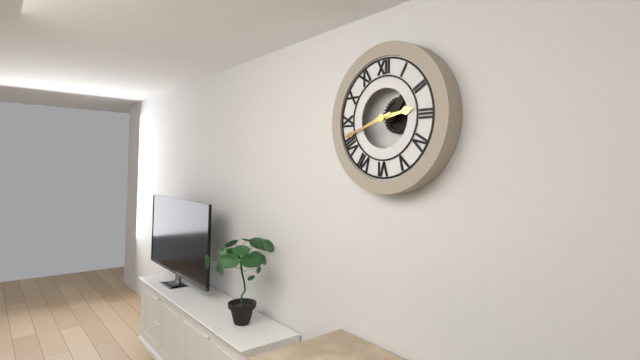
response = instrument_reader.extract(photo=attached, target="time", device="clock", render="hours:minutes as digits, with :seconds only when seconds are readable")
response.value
2:42
